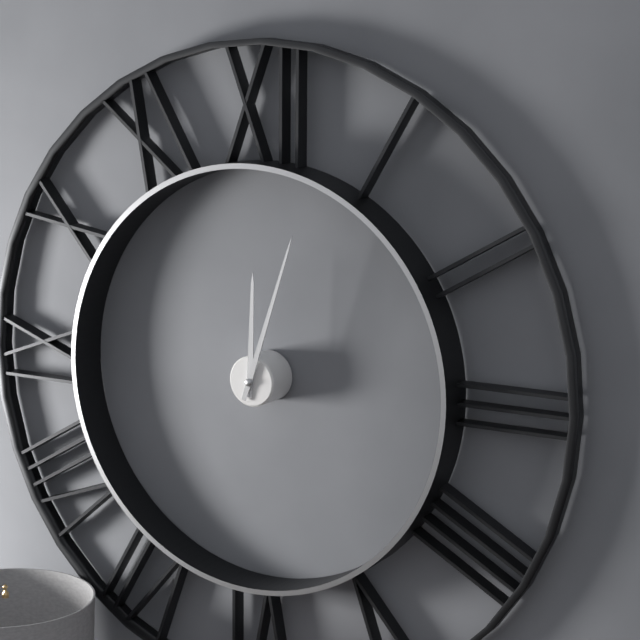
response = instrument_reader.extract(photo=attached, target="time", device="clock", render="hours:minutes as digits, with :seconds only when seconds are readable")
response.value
12:03
